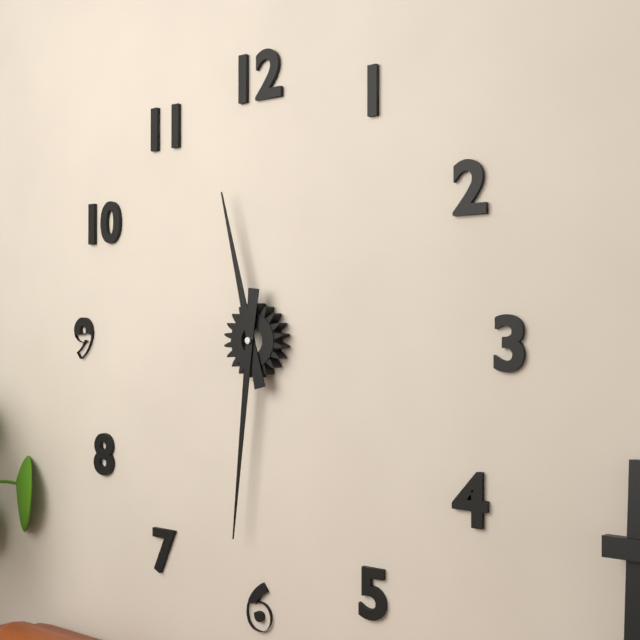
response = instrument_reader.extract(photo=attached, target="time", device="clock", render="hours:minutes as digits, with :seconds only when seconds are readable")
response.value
11:31
